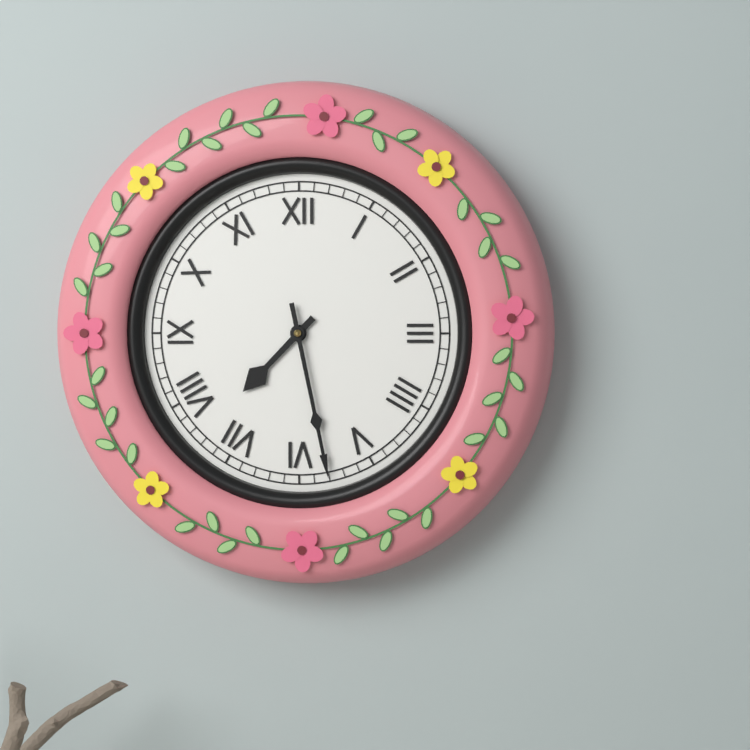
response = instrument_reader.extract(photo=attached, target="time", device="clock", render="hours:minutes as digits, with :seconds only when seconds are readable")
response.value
7:28
